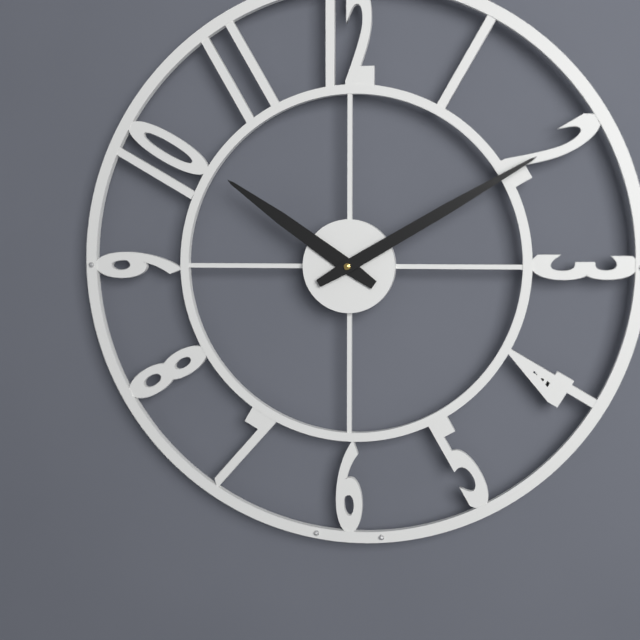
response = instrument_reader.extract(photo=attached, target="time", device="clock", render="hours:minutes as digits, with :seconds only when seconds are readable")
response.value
10:10
